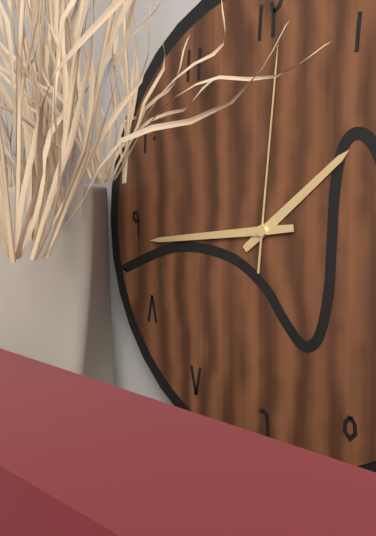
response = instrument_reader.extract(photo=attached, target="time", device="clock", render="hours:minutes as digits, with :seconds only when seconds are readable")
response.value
1:44:01
